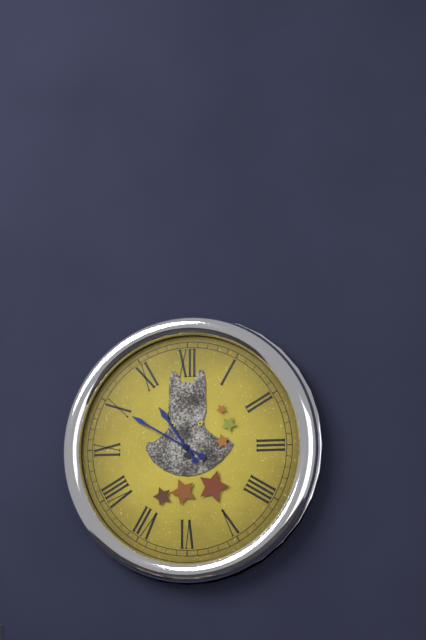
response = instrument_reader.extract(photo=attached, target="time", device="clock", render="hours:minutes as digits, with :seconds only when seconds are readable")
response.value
10:50
